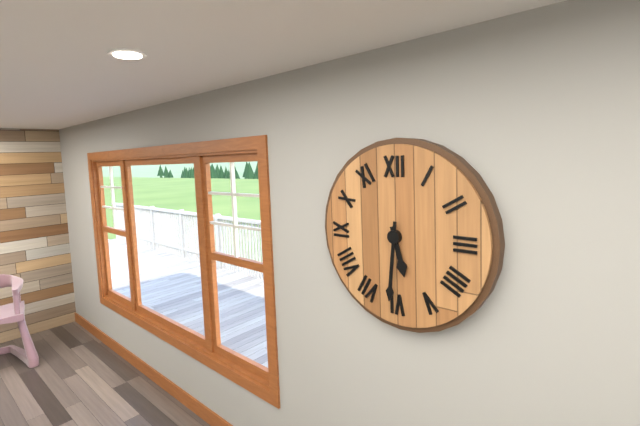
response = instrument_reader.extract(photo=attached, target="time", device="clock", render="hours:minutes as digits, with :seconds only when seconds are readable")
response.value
5:31
